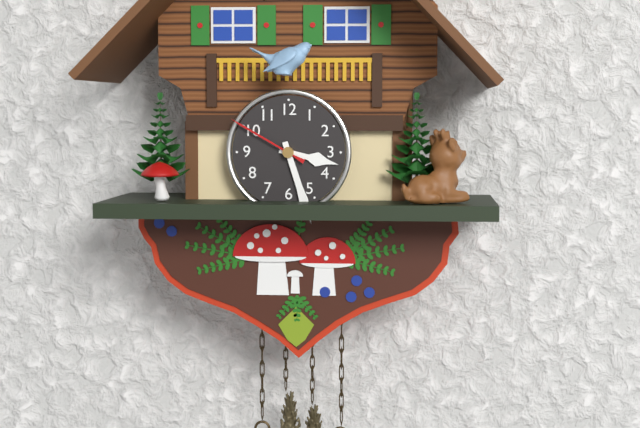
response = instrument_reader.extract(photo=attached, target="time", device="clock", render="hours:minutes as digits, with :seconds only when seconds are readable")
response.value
3:27:50
